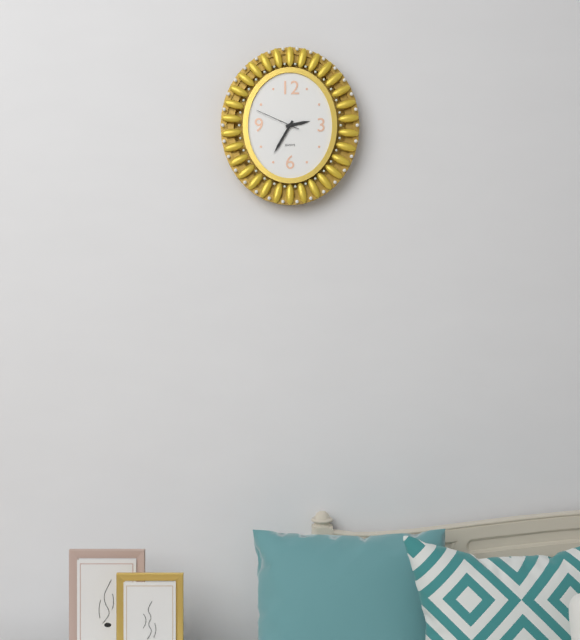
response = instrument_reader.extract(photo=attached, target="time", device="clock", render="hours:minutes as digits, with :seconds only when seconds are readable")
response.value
2:35
